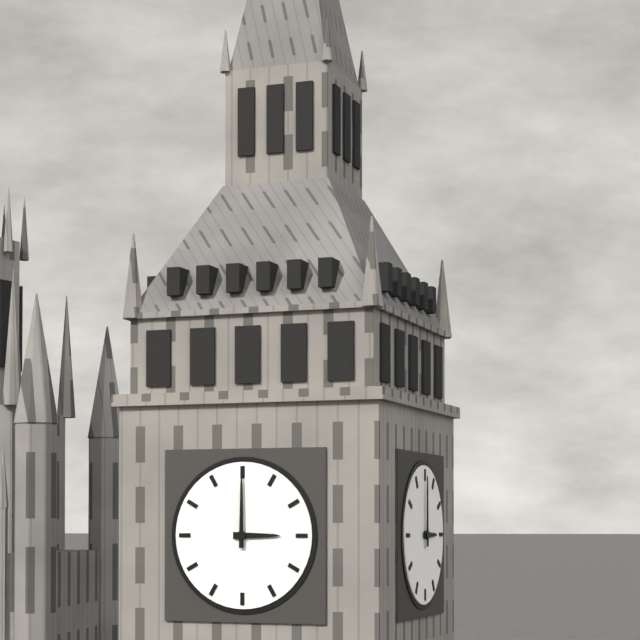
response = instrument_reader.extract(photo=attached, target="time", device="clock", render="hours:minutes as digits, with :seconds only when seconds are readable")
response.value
3:00
